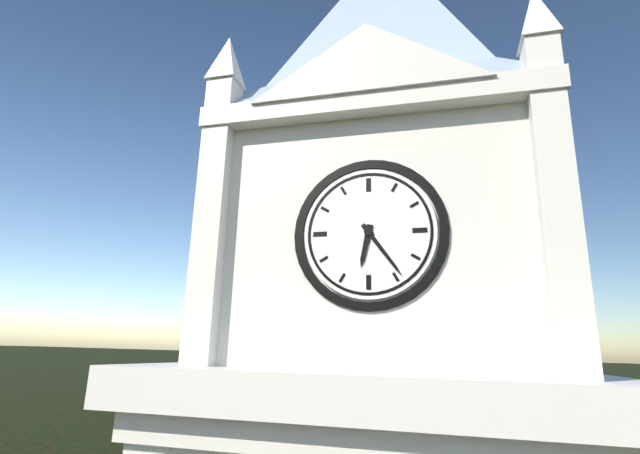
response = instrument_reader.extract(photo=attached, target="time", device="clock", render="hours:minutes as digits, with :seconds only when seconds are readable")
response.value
6:24
